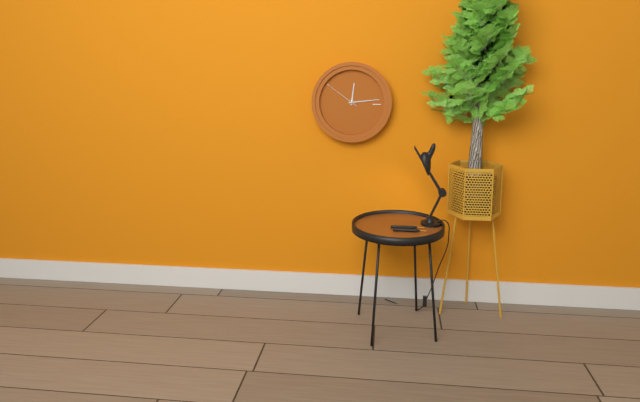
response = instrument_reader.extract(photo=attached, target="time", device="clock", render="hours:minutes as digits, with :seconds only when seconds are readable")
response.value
12:14
